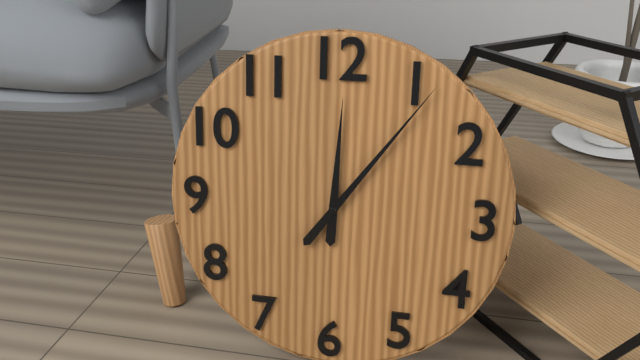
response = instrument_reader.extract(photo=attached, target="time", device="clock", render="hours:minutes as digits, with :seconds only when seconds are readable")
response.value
12:06
